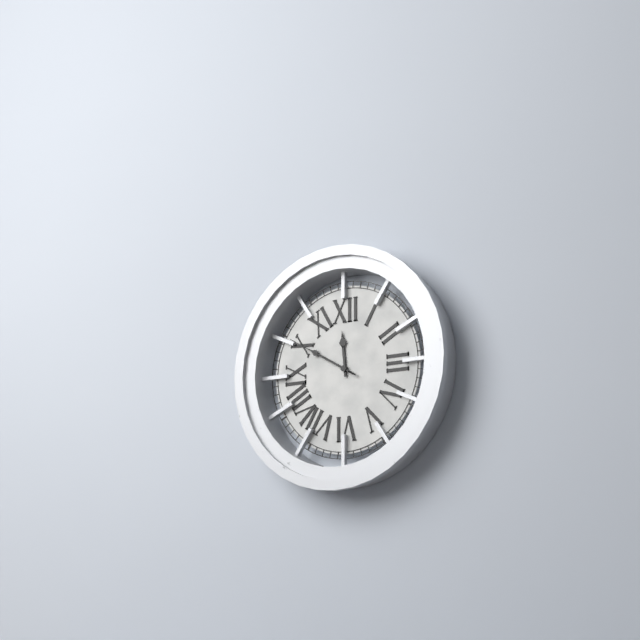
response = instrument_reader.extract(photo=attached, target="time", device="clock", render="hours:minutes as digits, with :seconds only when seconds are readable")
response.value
11:50:50
